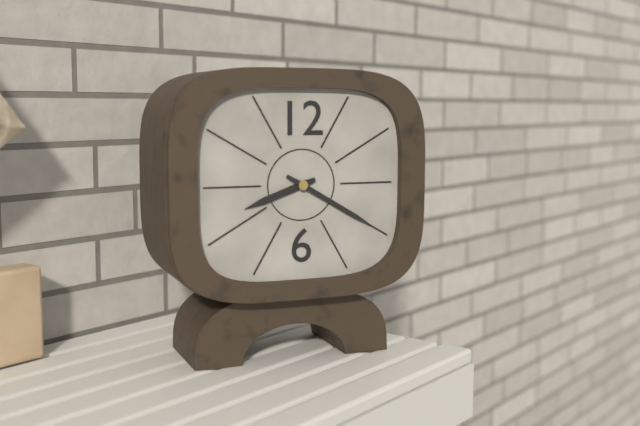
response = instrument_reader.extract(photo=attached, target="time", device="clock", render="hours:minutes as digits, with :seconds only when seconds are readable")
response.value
8:20
